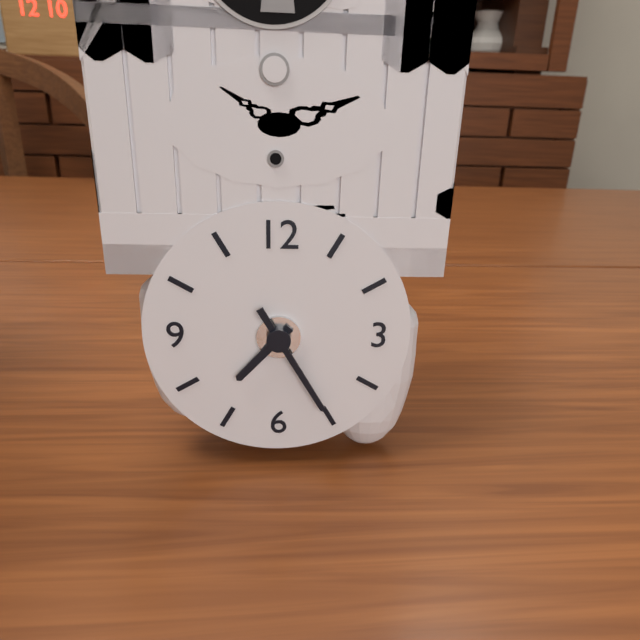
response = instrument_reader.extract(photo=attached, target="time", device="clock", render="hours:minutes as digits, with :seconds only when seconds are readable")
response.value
7:25
